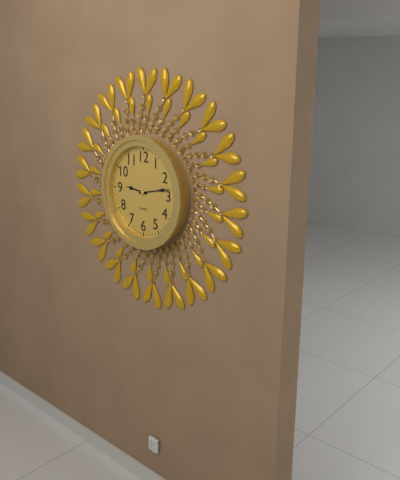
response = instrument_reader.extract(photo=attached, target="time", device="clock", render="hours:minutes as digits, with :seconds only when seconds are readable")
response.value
9:13
